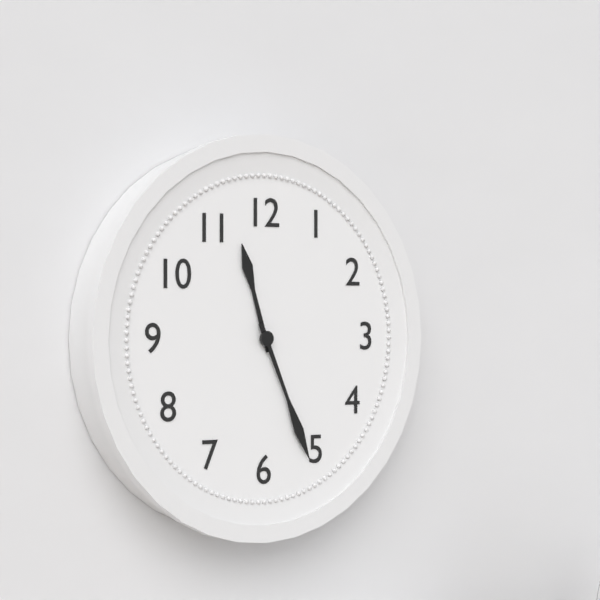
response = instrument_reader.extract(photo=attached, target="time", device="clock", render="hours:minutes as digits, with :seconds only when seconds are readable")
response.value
11:26
